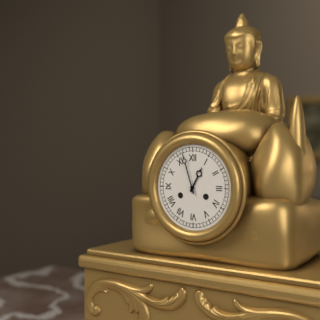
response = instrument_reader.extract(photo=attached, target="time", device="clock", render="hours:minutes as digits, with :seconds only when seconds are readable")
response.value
12:57
